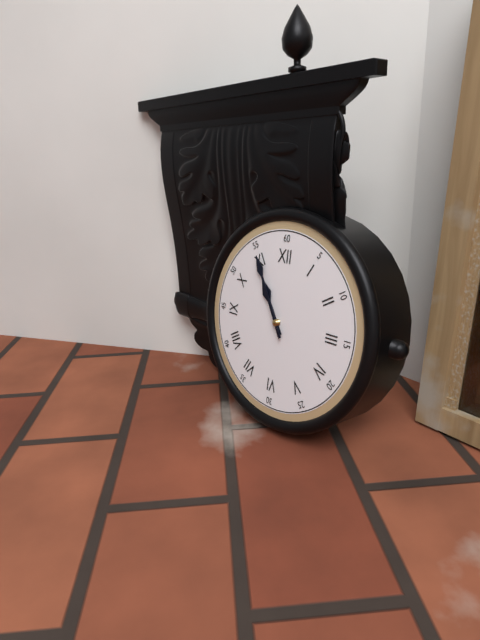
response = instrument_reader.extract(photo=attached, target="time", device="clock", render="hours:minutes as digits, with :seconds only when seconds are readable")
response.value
10:55
